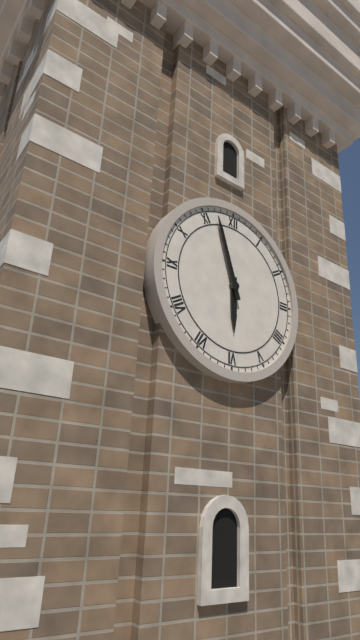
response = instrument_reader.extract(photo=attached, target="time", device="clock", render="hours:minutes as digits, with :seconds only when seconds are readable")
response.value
5:57
